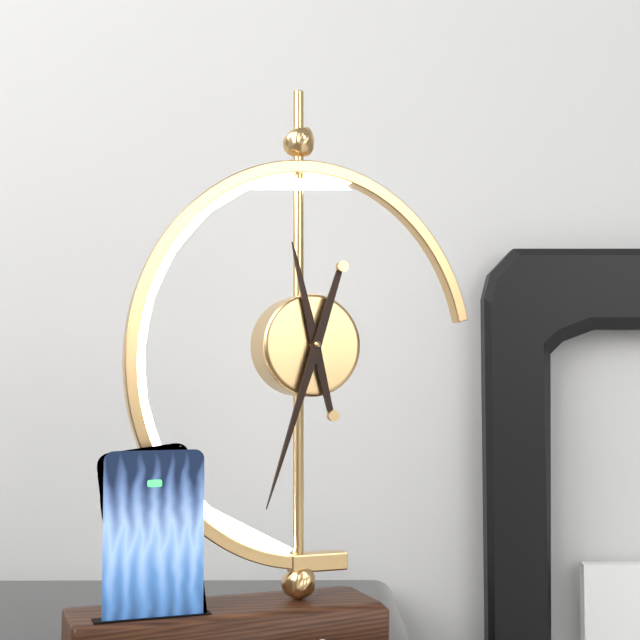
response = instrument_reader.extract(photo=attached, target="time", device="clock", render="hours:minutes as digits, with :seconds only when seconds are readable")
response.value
11:33
